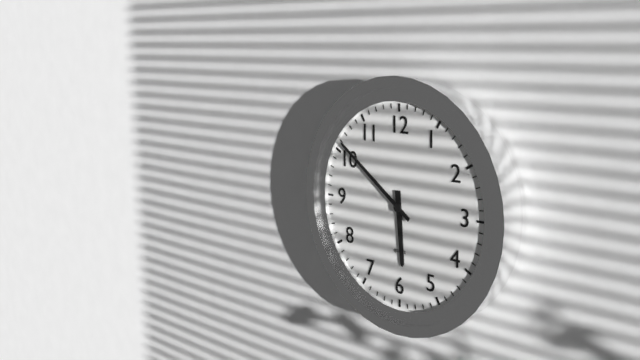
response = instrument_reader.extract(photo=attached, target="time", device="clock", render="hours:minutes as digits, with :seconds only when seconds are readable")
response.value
5:51
